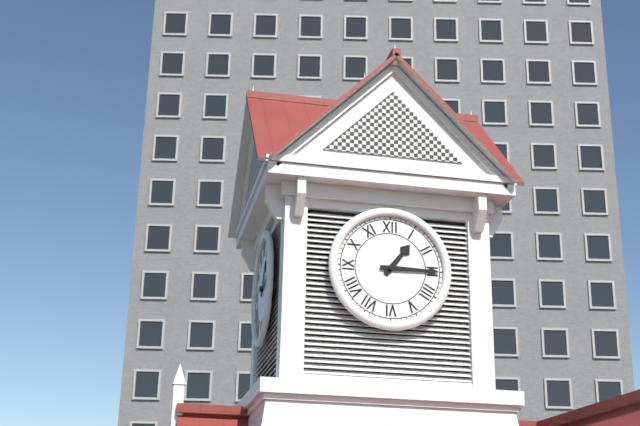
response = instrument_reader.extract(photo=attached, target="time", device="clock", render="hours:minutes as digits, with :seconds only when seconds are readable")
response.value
1:15
